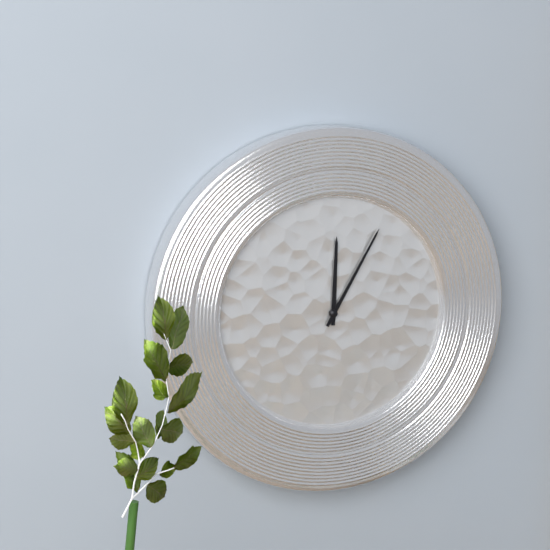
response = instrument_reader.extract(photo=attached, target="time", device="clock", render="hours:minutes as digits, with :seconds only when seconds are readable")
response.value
12:05
